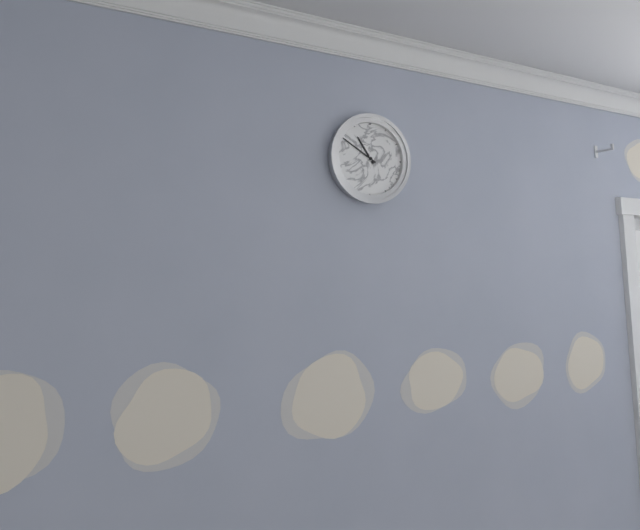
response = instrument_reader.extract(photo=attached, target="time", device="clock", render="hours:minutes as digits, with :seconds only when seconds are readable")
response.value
10:50
